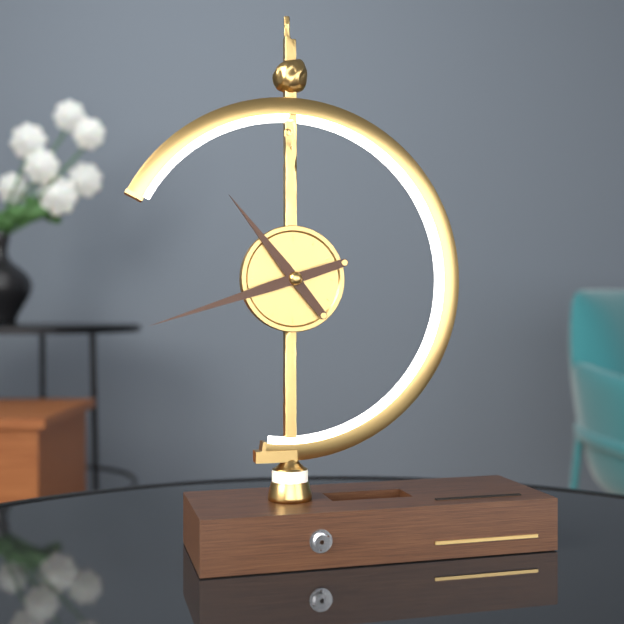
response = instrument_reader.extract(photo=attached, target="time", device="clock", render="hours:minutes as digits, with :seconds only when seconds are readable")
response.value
10:42
